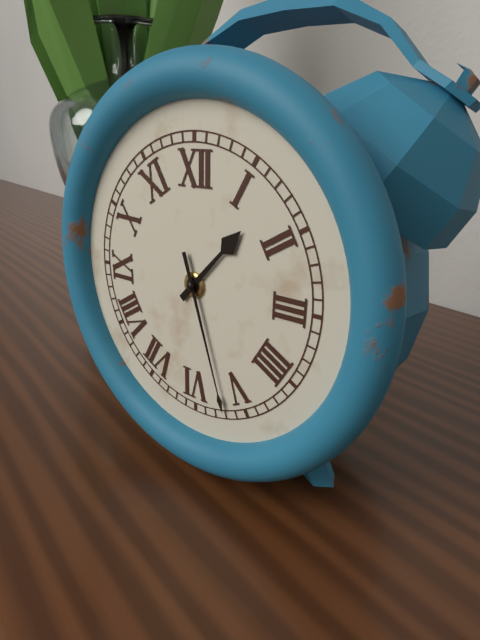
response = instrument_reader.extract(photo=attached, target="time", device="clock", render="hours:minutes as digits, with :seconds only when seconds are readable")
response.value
1:27
